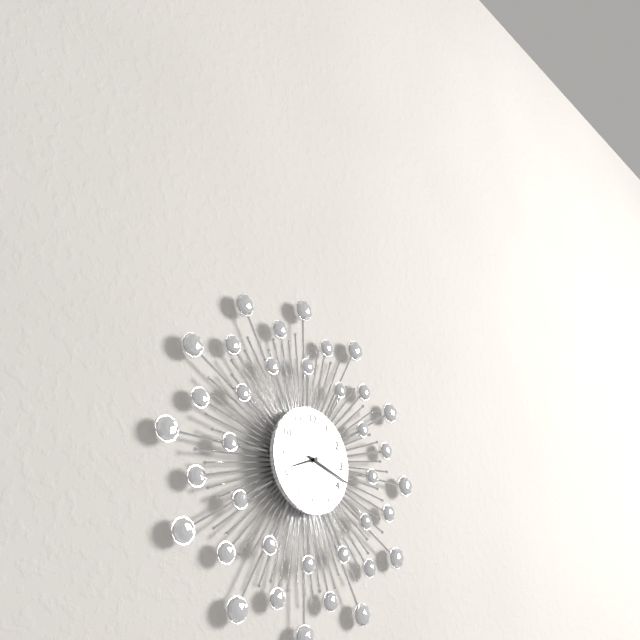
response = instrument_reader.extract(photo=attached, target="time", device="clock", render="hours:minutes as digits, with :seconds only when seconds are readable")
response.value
8:18:37
